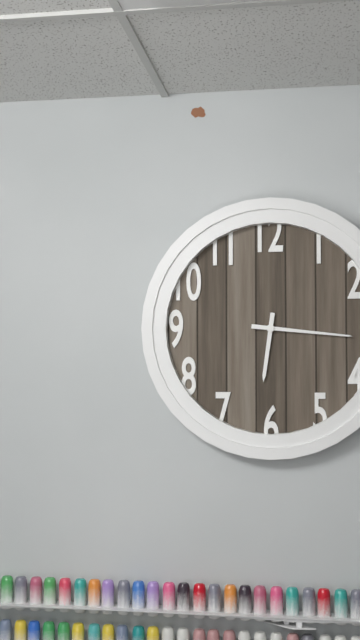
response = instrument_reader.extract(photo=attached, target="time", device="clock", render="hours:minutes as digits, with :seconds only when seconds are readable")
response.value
6:16
